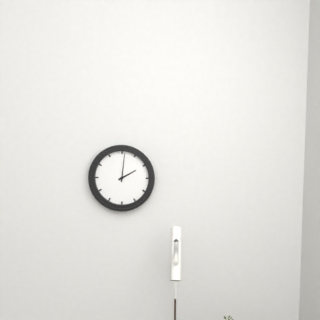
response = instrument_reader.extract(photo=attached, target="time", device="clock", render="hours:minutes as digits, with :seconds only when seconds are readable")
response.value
2:01
